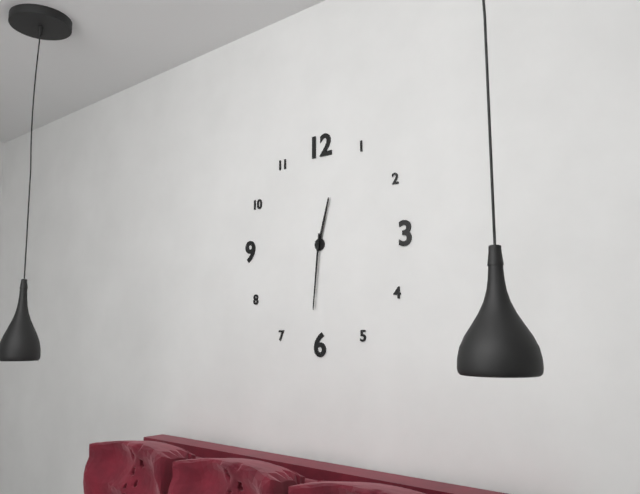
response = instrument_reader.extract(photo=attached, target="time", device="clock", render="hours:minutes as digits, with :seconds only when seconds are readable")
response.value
12:31
